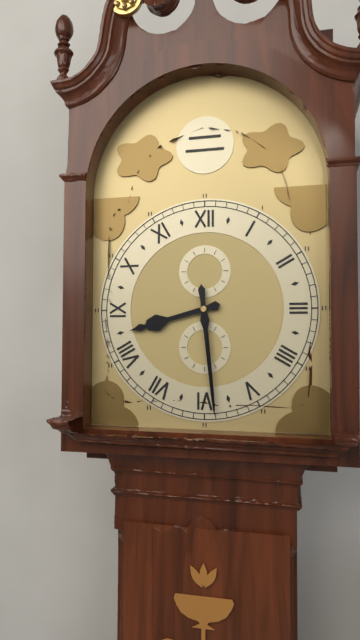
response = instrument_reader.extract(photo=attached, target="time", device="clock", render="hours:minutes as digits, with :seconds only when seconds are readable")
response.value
8:29
